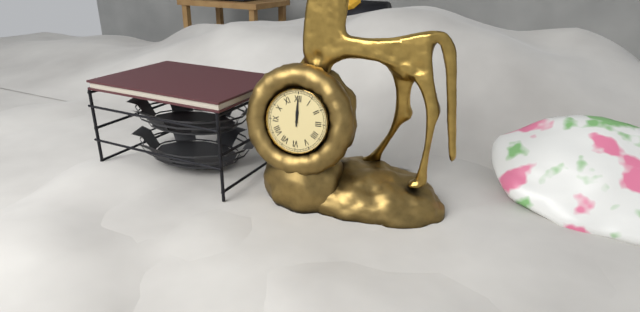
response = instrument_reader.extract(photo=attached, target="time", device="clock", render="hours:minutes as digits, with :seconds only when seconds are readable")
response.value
12:00
